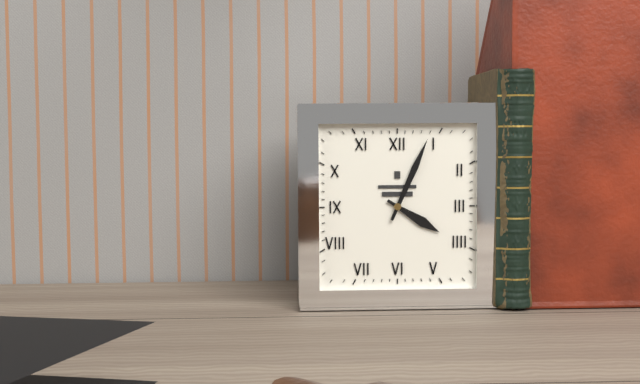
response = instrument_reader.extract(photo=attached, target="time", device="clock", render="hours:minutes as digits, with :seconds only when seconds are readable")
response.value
4:04
